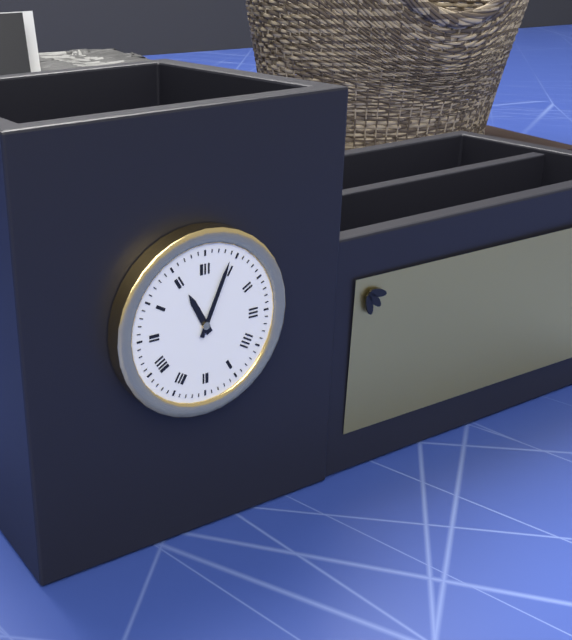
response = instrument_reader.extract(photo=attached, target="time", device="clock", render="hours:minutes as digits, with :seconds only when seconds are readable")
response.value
11:04
